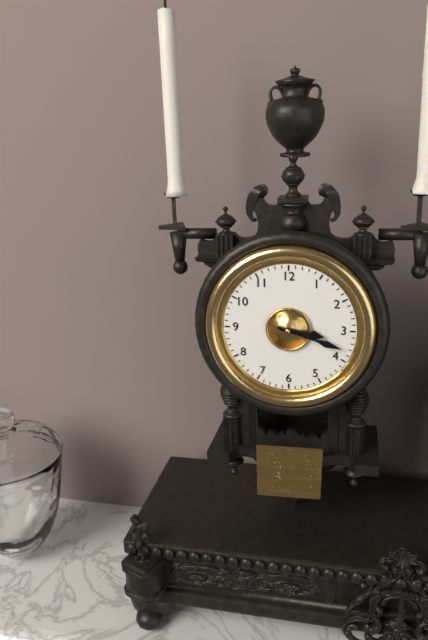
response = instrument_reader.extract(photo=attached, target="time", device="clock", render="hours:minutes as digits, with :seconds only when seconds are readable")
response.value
3:18
